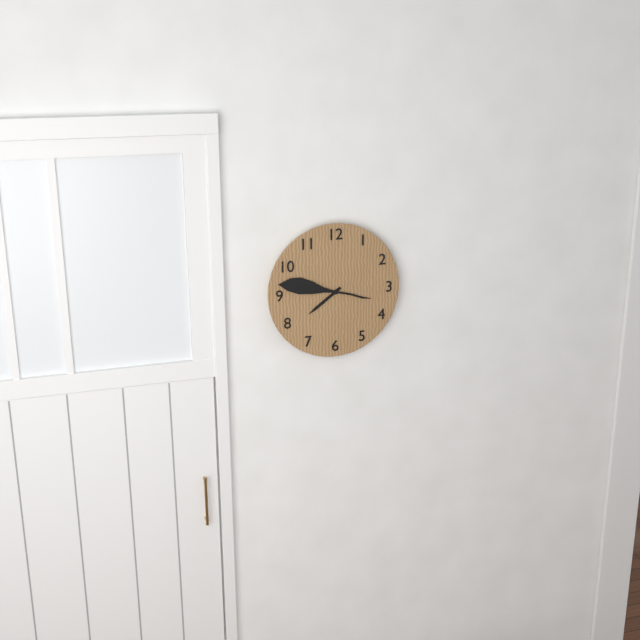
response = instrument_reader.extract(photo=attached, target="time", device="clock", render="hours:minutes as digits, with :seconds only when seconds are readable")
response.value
7:47
